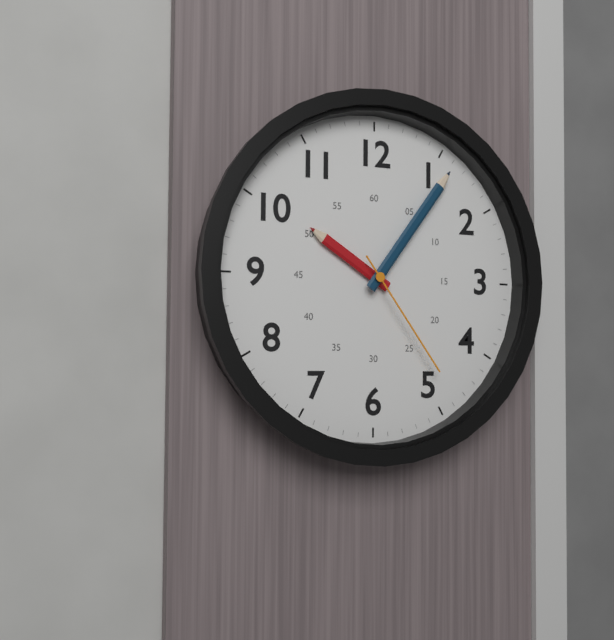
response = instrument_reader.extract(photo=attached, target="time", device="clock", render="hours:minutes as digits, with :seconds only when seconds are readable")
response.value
10:06:24
